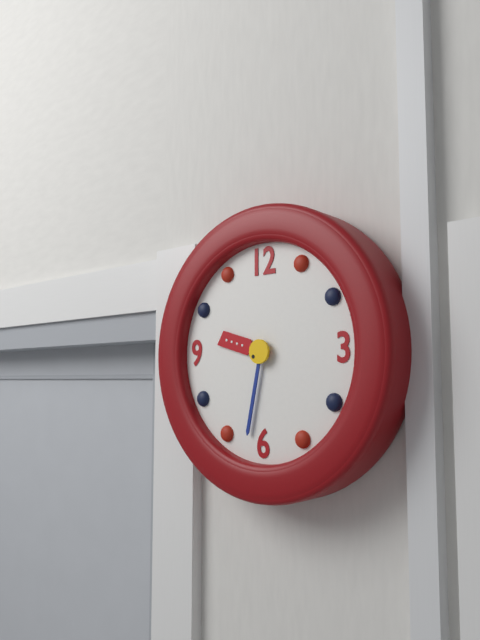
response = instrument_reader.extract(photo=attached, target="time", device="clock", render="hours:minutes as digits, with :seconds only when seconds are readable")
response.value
9:32
